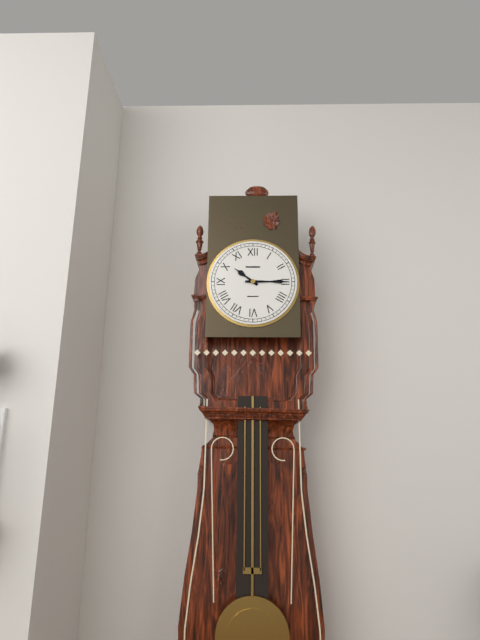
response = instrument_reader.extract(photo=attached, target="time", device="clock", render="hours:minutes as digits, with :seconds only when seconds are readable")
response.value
10:15
